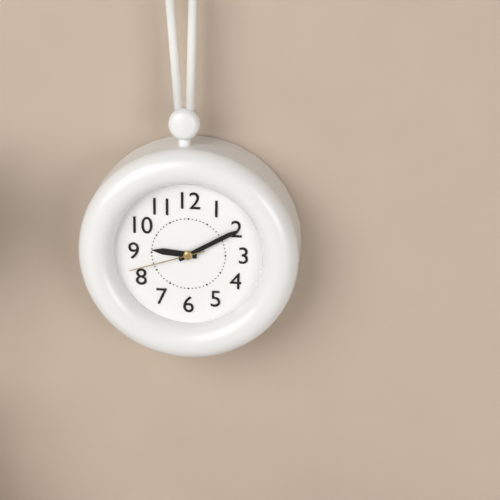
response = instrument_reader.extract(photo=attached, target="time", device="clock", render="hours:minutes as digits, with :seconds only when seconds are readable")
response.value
9:10:42
